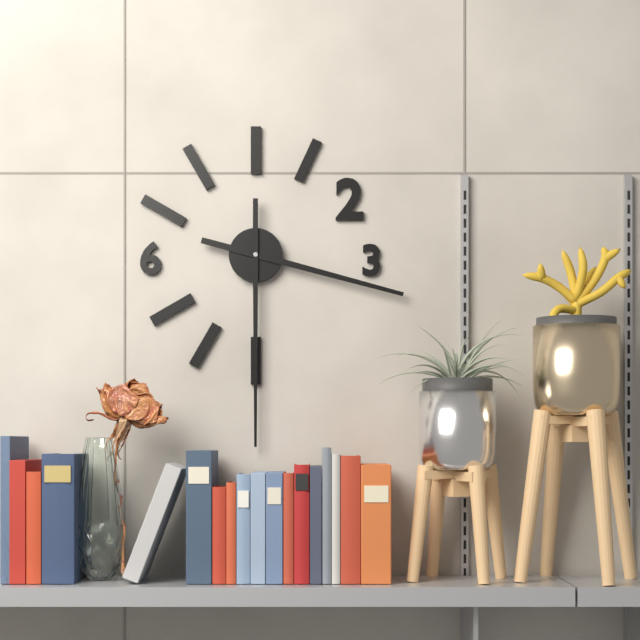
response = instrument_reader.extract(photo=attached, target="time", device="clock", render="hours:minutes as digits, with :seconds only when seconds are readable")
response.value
3:30
